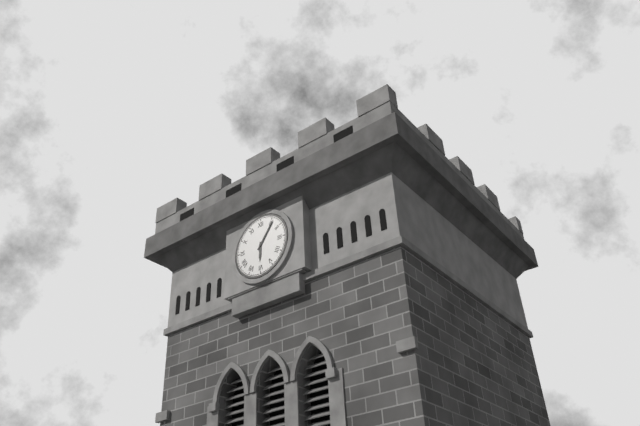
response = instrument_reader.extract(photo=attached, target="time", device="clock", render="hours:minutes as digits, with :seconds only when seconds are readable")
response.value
6:06
